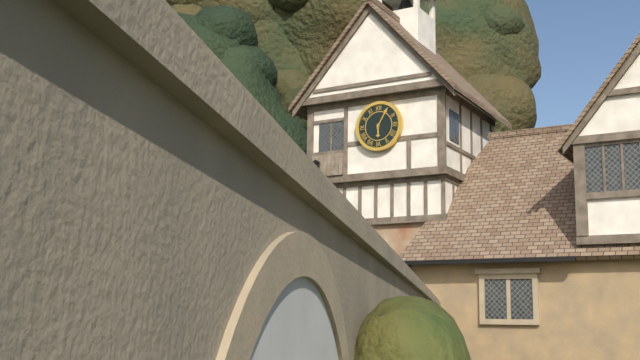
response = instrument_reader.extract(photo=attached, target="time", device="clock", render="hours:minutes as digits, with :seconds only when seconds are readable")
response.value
6:05
